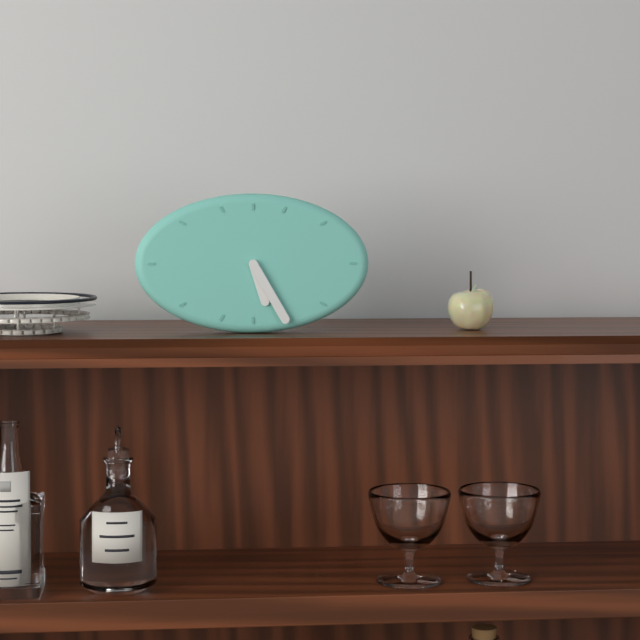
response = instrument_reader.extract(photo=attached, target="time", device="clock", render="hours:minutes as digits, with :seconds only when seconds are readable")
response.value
5:25
